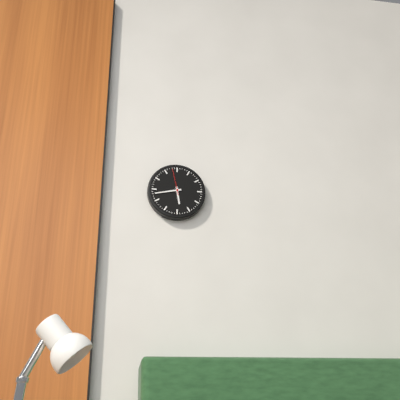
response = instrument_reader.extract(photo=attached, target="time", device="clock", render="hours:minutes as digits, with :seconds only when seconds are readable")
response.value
5:43
